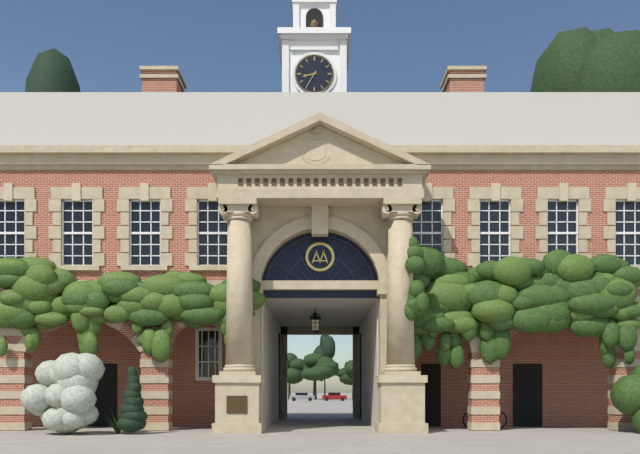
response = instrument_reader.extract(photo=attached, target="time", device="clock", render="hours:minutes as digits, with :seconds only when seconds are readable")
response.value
8:35
